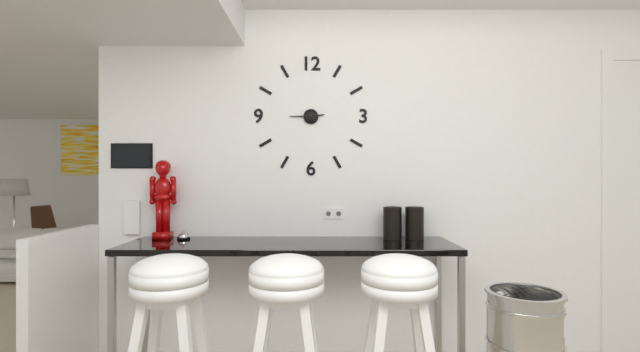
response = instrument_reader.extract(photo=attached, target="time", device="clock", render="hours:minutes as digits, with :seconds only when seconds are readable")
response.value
2:45
